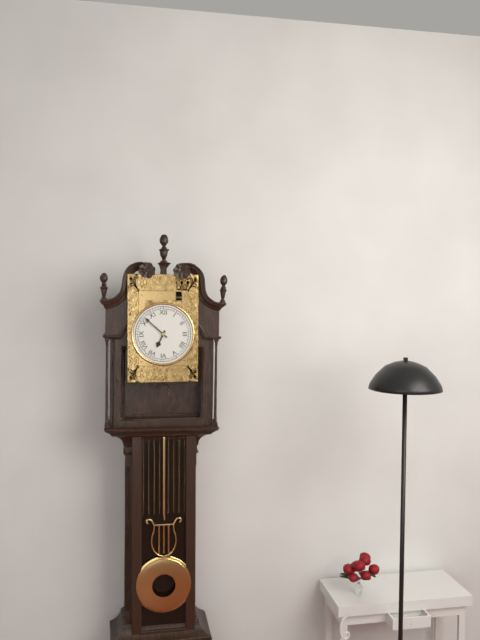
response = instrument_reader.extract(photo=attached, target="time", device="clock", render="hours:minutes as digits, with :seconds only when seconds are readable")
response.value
6:52
